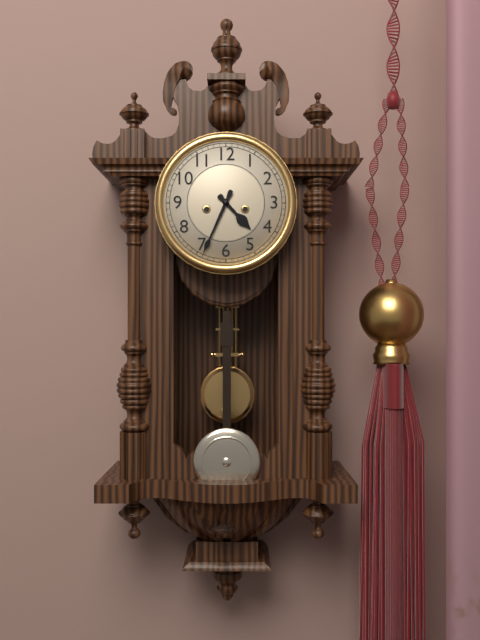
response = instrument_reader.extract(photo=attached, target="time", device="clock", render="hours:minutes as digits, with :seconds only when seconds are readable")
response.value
4:34
